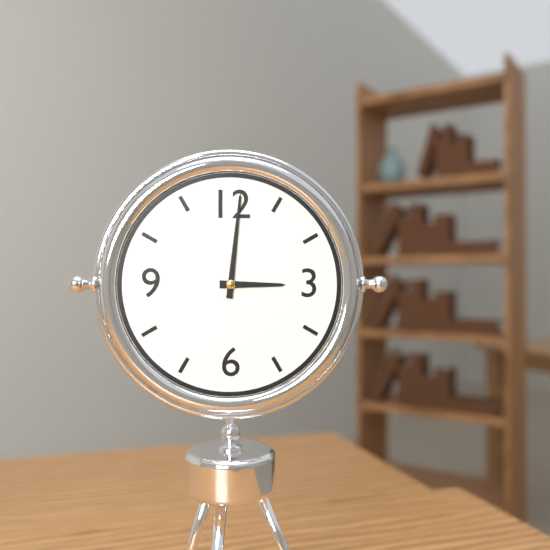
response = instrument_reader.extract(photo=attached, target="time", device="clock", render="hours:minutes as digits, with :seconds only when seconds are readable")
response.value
3:01
